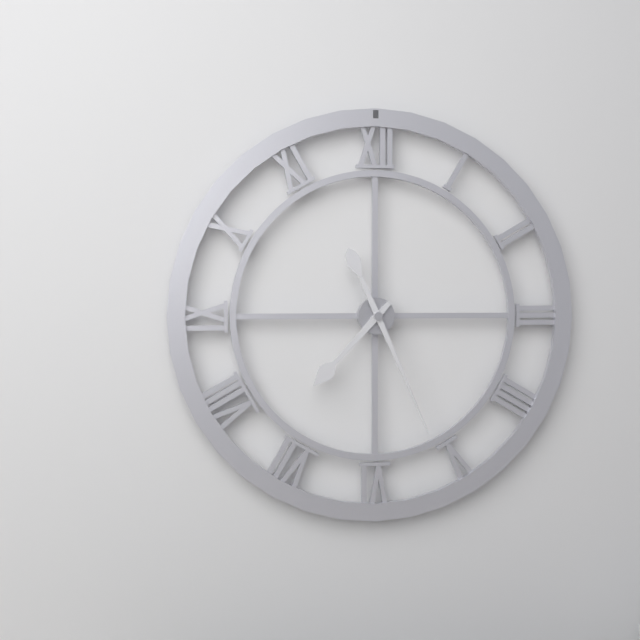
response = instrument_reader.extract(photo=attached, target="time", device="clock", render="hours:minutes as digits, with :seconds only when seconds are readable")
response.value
7:26
